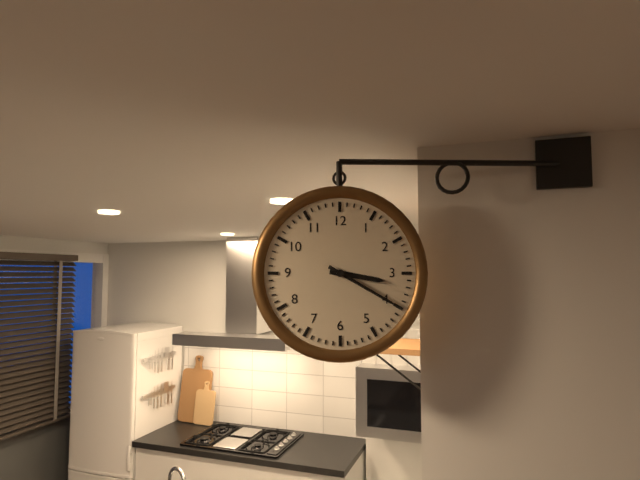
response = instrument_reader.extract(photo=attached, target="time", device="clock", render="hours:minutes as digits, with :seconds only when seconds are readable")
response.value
3:20
